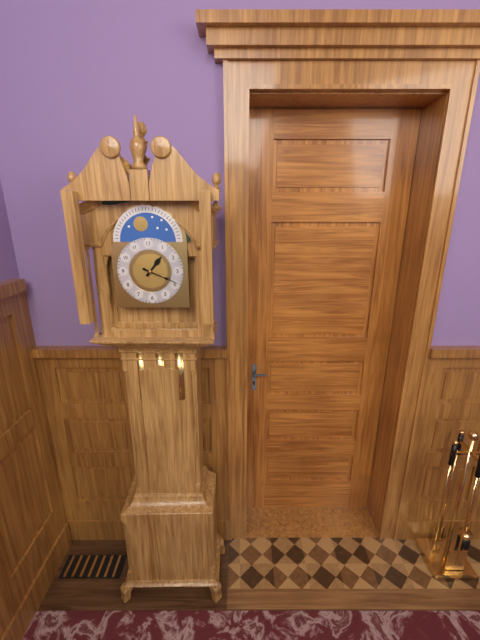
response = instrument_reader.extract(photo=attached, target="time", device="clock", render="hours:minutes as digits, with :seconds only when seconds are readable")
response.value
1:19
